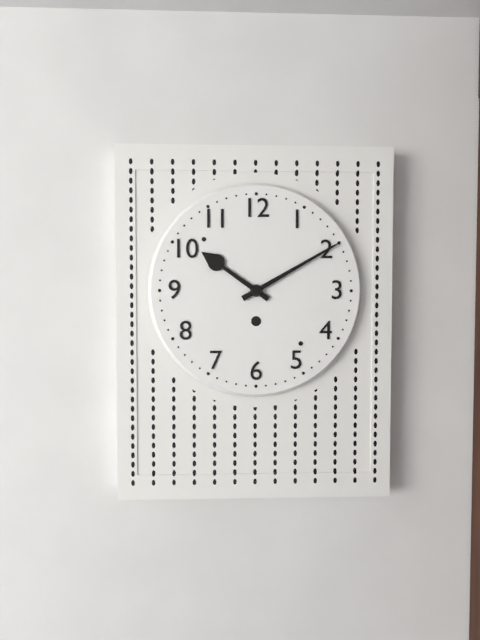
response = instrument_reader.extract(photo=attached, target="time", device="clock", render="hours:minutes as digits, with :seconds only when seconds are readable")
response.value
10:10
